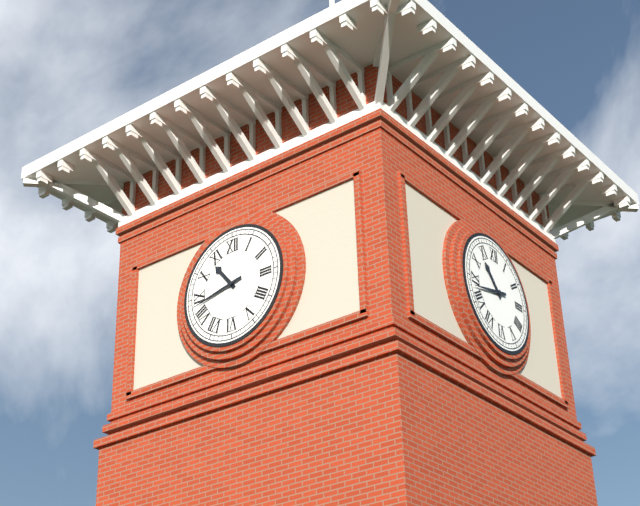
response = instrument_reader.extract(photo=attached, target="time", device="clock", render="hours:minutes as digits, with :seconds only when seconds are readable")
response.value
10:43
